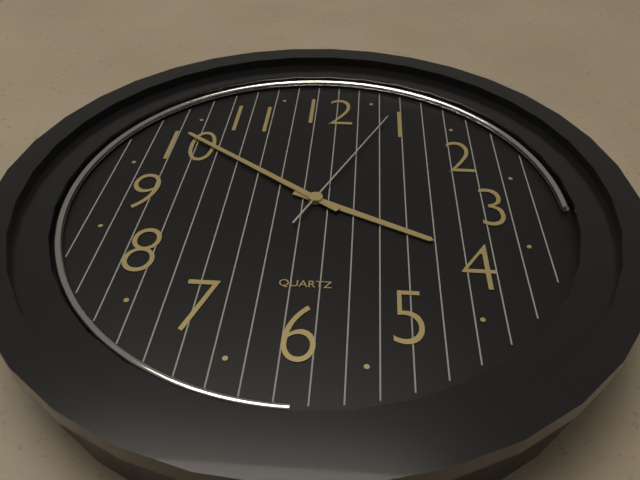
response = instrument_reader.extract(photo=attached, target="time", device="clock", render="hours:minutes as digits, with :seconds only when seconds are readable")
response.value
3:51:04
